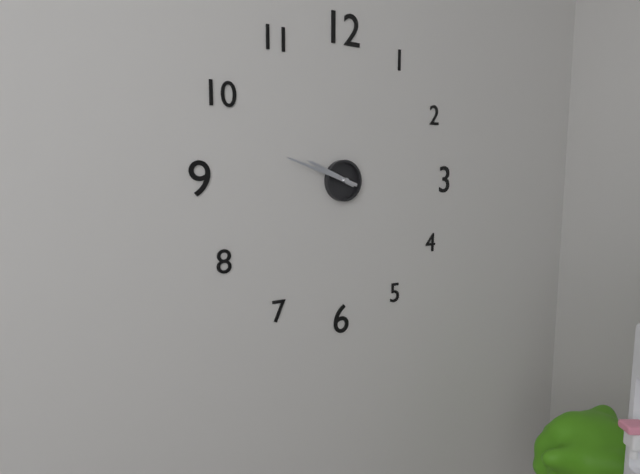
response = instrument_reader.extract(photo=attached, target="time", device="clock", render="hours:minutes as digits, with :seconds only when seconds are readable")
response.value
9:48
